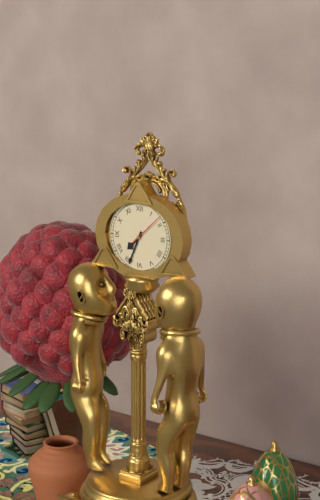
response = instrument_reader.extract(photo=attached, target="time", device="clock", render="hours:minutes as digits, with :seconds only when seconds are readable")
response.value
7:34
